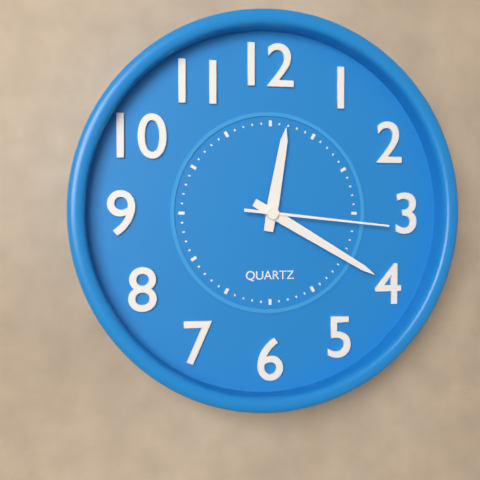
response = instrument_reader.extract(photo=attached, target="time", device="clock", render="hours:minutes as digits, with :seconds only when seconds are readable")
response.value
12:20:16
